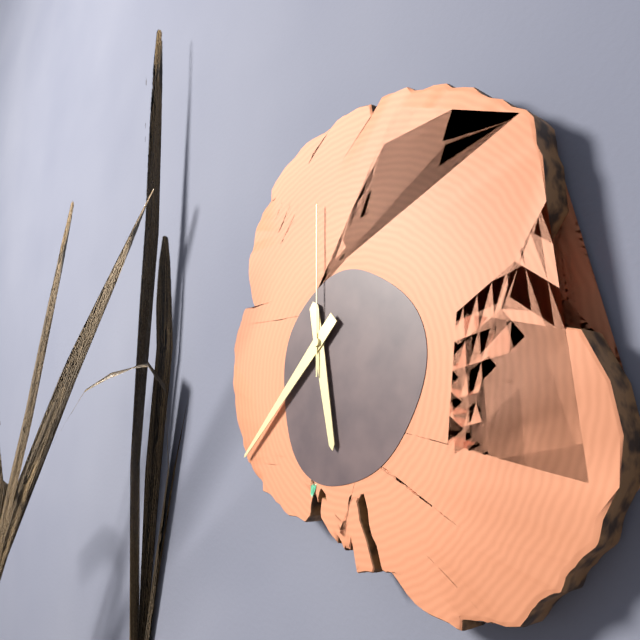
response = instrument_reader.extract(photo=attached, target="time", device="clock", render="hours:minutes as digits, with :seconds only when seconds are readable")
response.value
5:38:00
